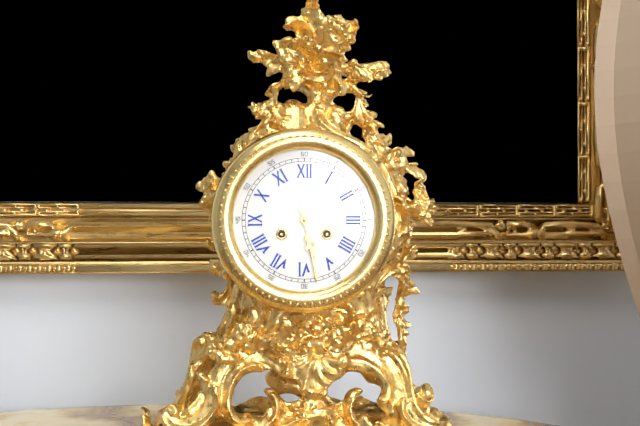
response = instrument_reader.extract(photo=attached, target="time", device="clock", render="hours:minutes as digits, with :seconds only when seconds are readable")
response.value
5:28
